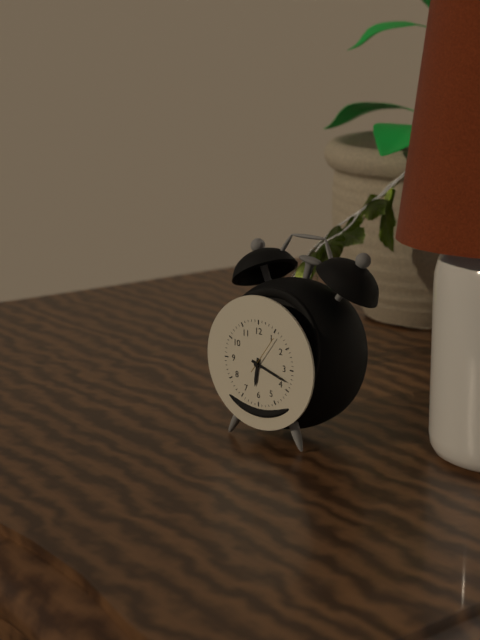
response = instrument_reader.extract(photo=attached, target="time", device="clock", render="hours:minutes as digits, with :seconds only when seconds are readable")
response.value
6:18
